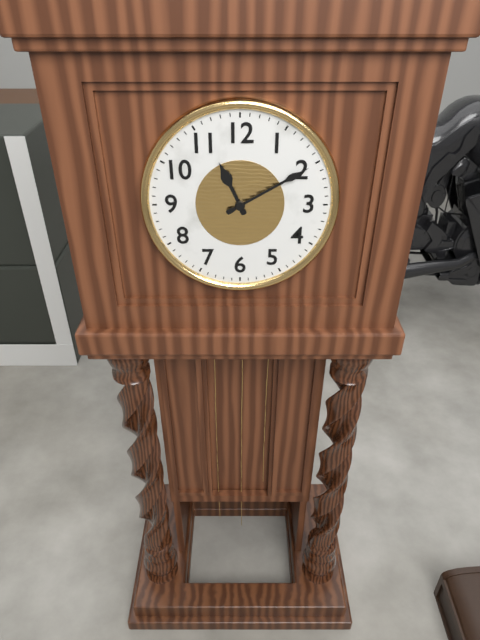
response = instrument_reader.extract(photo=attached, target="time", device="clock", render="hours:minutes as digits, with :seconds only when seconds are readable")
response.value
11:10
